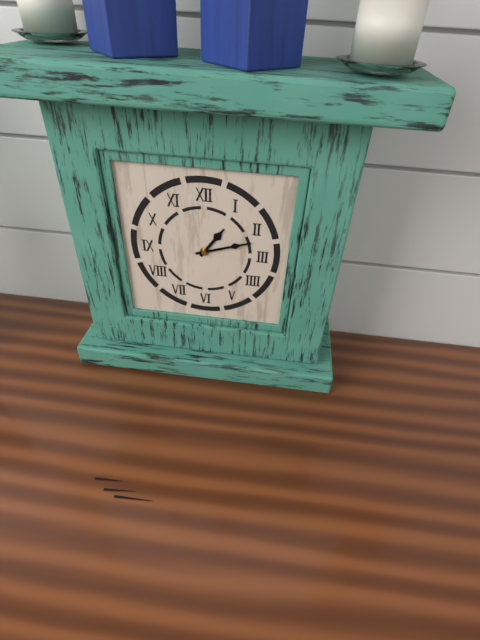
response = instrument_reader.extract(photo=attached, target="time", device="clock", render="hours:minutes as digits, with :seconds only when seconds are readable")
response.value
1:12
